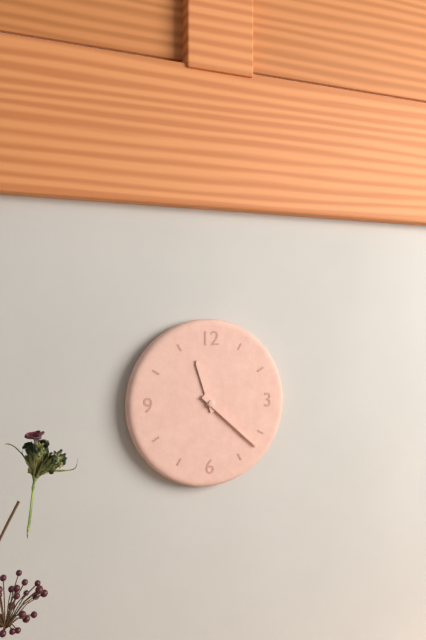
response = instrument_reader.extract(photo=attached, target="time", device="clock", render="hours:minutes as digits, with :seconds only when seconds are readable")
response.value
11:22
